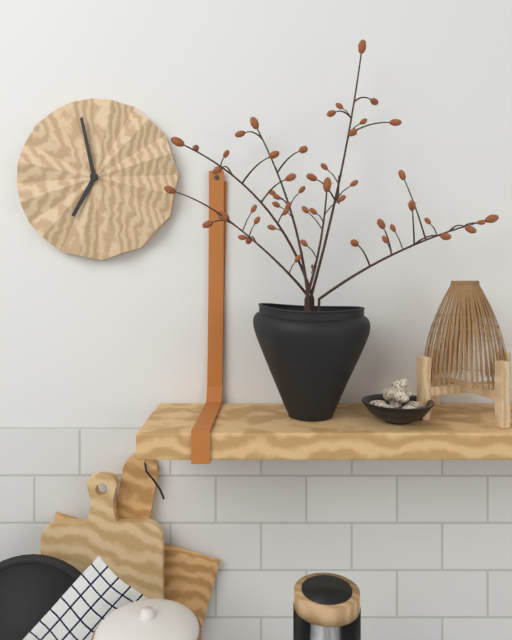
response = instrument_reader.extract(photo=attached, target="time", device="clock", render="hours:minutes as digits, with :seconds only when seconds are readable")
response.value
6:58
